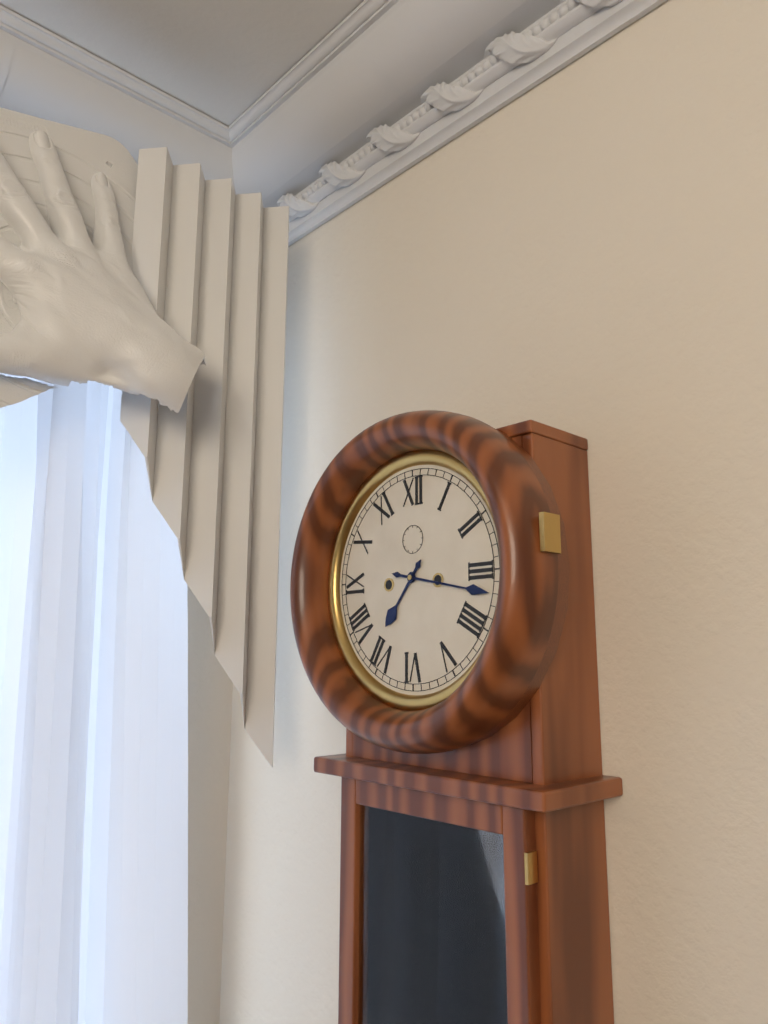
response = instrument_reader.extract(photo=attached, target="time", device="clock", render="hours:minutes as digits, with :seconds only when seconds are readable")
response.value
7:17
